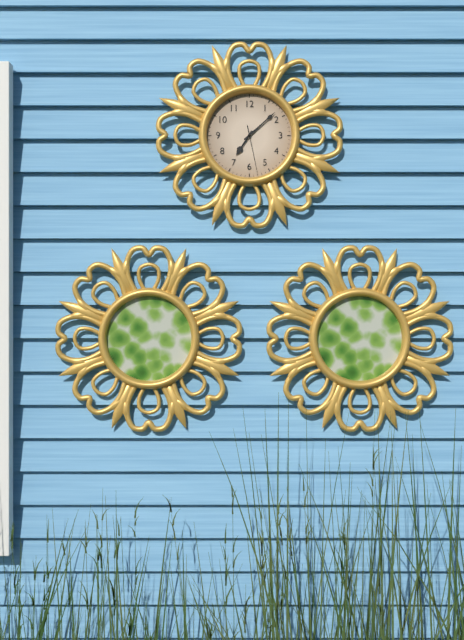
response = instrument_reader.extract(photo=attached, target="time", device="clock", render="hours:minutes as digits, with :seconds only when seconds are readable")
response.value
7:08
